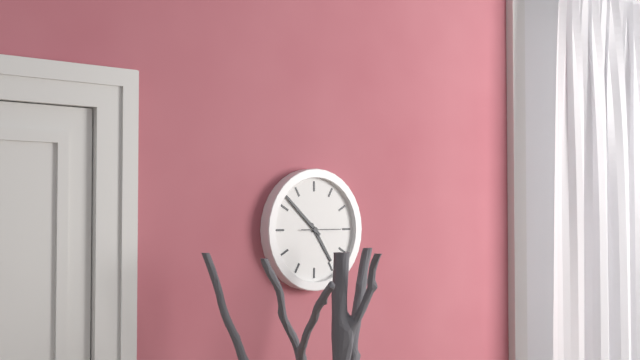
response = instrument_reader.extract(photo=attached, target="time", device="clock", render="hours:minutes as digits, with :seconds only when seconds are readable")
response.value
4:52
